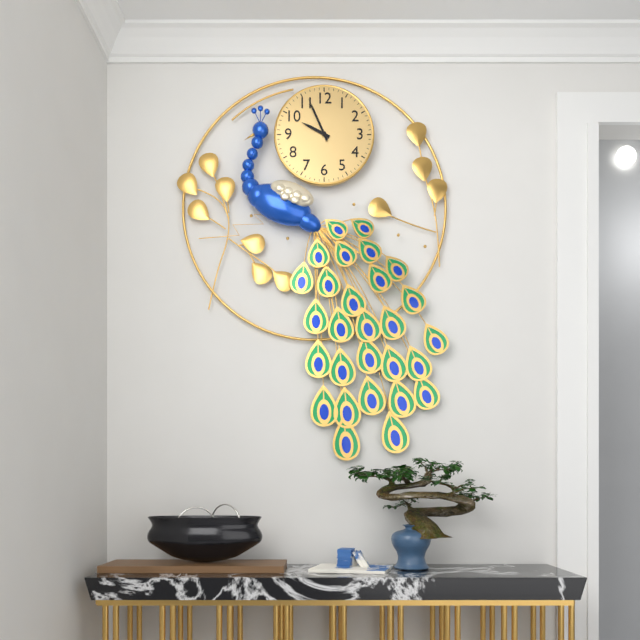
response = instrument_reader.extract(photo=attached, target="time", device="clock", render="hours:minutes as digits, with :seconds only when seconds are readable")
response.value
9:56
